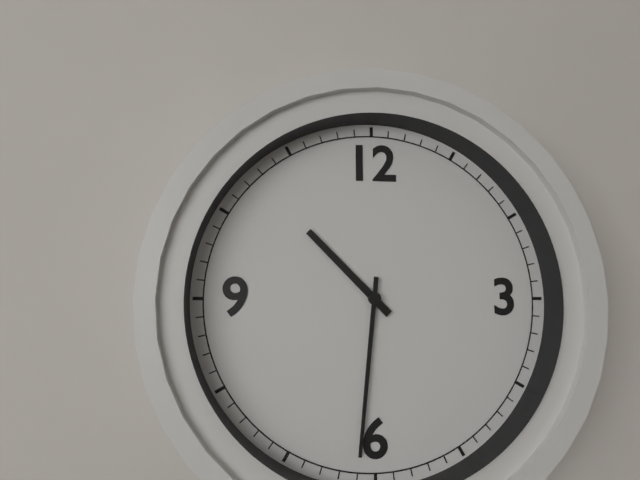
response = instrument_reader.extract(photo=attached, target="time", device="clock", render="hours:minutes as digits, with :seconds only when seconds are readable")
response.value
10:31
